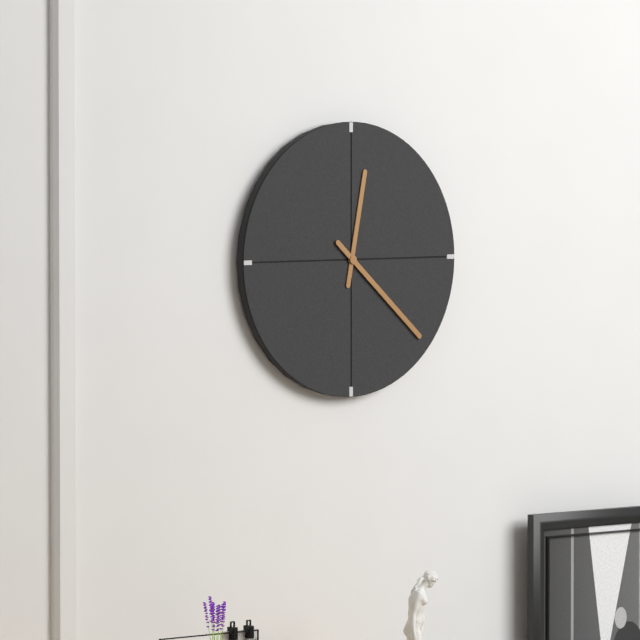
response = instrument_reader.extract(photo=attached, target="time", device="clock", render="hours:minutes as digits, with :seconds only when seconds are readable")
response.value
12:22
